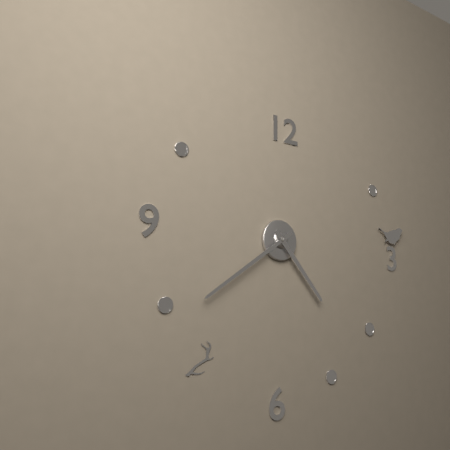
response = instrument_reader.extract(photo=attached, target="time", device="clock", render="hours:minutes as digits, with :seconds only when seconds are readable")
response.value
4:39
